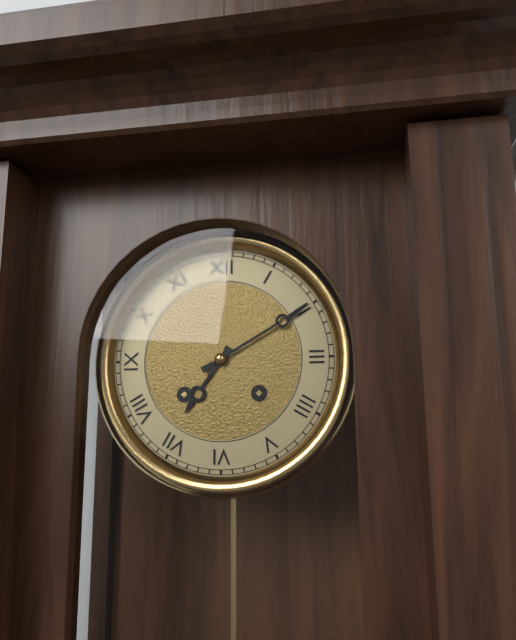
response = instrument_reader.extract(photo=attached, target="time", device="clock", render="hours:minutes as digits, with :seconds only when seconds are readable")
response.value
7:10
